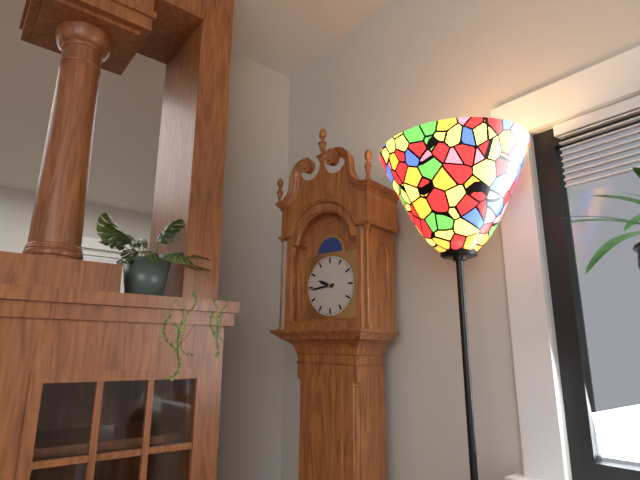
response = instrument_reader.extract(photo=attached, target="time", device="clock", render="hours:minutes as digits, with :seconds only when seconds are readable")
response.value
9:44
